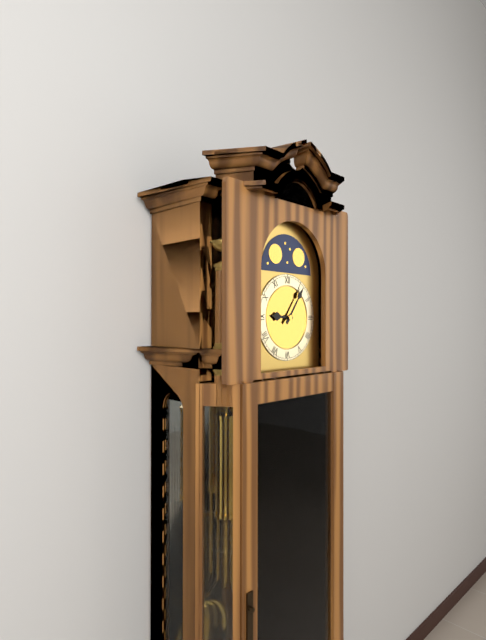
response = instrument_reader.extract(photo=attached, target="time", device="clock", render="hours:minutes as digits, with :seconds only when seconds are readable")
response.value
9:06
